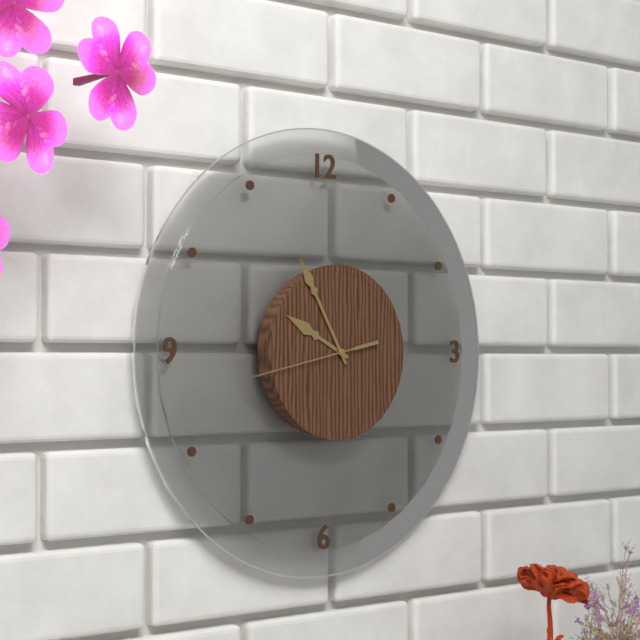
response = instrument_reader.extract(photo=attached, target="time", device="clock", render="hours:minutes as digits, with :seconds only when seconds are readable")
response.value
9:55:43
